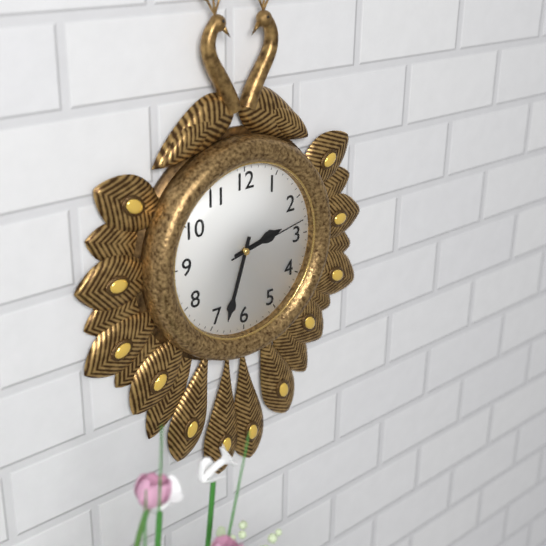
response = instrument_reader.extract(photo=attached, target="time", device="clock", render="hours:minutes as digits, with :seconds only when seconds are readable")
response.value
2:33:13
